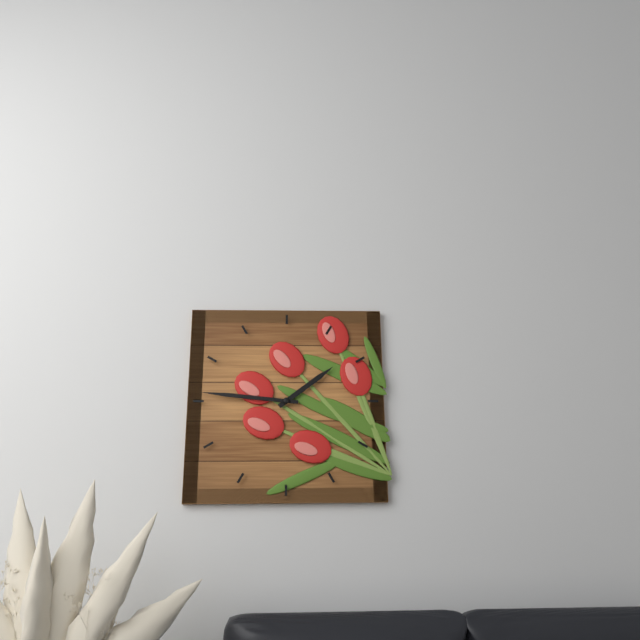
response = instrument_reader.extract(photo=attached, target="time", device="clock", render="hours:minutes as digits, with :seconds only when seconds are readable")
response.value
1:46
